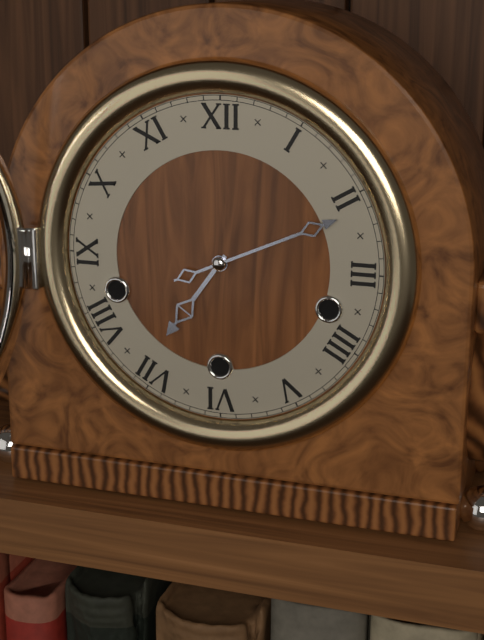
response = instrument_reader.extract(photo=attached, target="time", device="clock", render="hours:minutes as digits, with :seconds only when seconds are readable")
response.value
7:11
